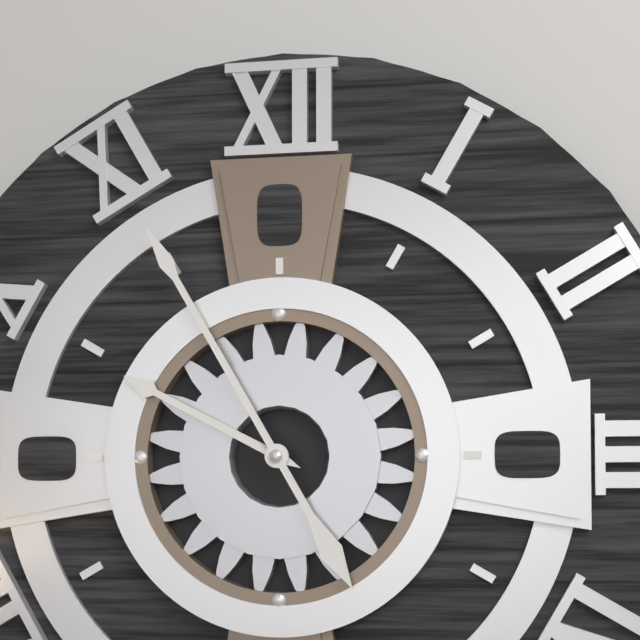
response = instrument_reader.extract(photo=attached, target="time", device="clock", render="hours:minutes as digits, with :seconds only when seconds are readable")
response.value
9:55
